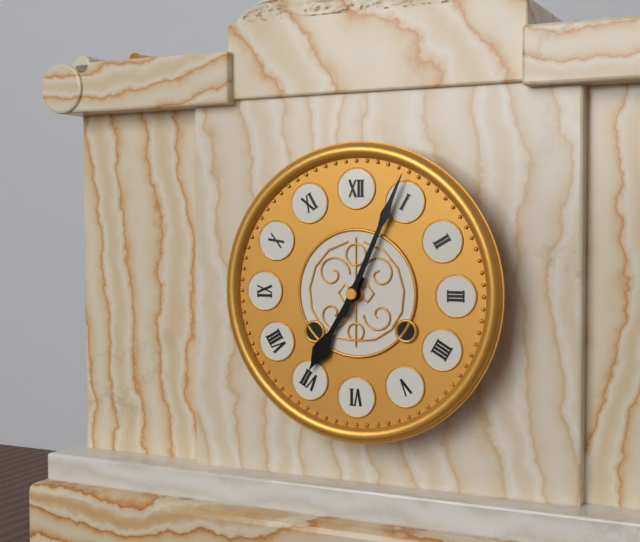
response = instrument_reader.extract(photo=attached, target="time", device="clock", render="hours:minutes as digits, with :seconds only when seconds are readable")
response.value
7:04
